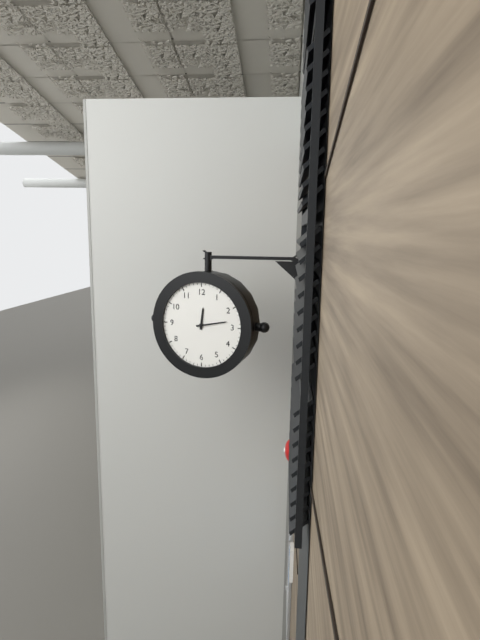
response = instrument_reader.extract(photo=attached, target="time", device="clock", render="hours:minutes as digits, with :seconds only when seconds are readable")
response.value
12:13
